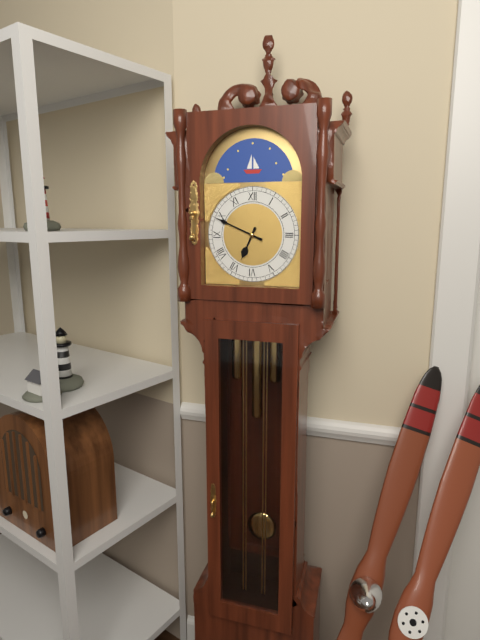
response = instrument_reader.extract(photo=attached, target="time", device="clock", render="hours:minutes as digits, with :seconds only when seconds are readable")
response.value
6:49
